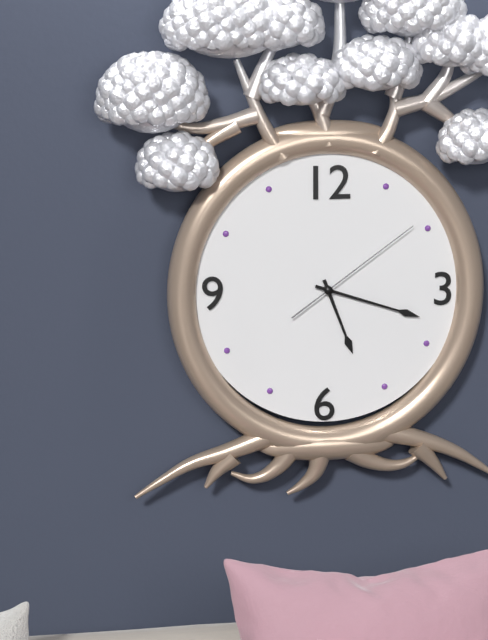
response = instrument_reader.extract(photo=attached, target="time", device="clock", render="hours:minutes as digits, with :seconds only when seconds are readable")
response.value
5:18:09
